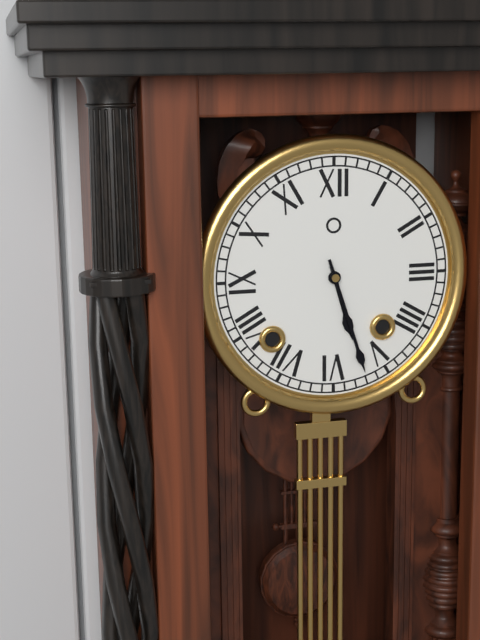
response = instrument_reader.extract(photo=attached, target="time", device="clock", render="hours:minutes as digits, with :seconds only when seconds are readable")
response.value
5:27
